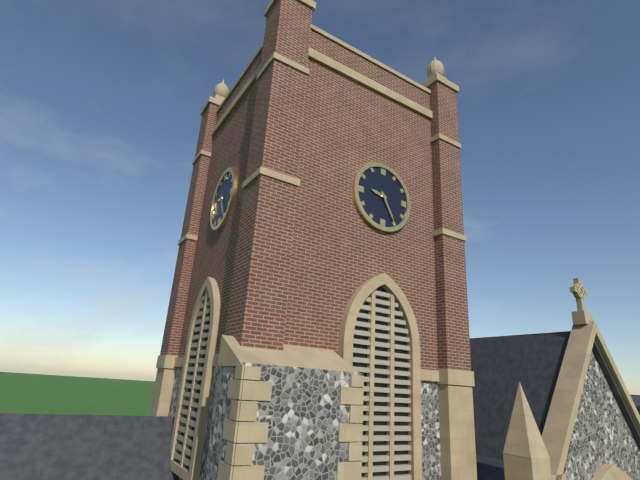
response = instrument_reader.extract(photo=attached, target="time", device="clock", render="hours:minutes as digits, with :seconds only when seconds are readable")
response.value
9:25
